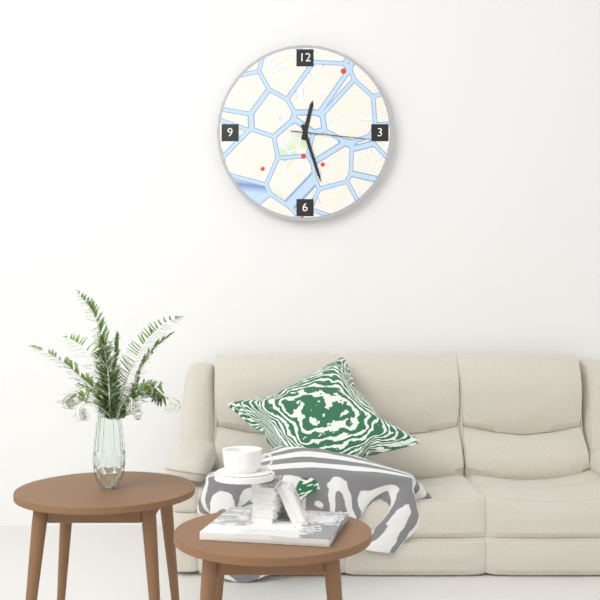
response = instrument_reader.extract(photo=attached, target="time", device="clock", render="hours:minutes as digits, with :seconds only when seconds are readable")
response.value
12:27:16
